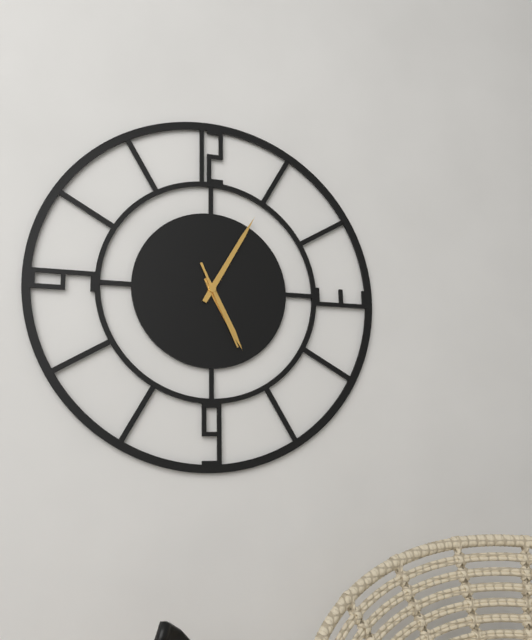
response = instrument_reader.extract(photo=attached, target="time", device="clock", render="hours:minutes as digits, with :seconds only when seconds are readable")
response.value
5:05:26
